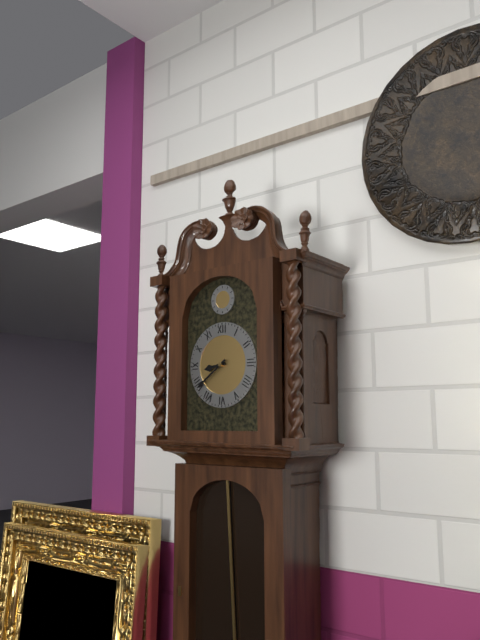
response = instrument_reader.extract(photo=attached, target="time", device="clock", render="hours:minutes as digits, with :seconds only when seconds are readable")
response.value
8:39
